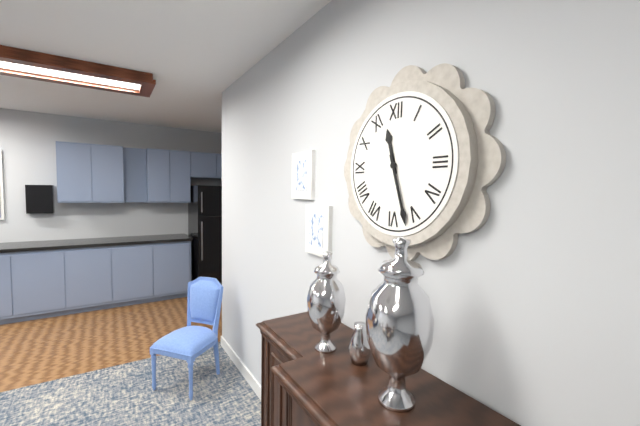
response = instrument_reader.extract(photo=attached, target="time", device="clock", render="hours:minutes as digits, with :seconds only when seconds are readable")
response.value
11:27
